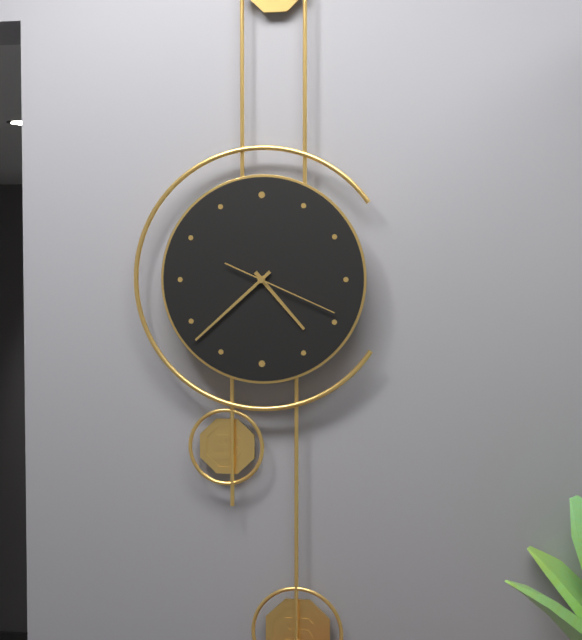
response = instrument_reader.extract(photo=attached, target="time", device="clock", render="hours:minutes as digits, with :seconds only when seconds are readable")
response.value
4:38:19
